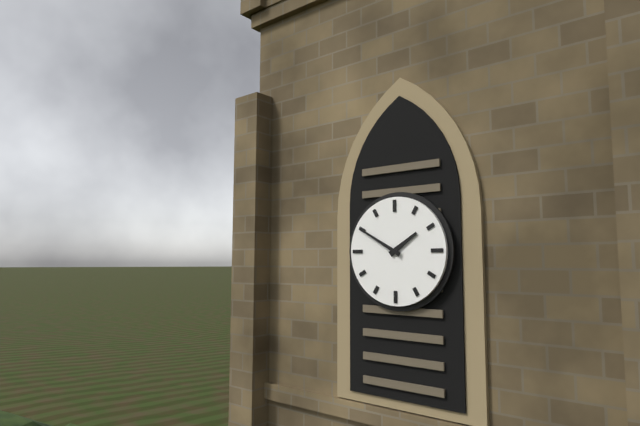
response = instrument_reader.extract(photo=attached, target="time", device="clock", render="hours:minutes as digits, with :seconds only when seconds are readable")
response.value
1:50
